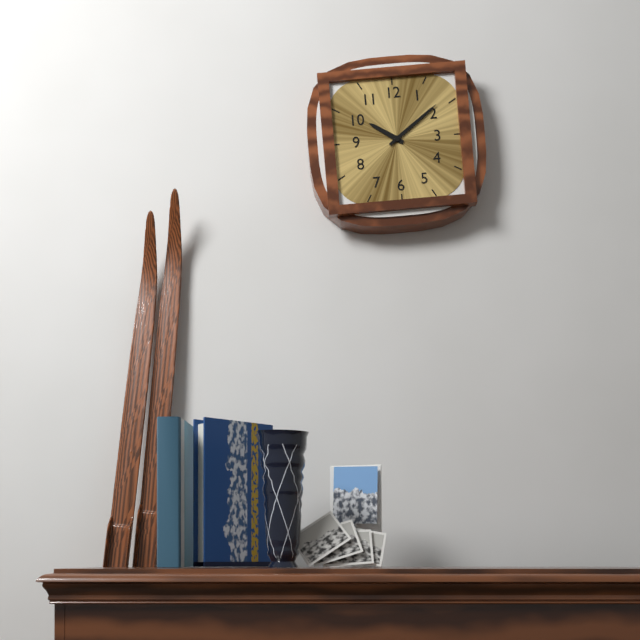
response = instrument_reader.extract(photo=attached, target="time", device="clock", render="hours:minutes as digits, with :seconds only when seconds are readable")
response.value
10:09
